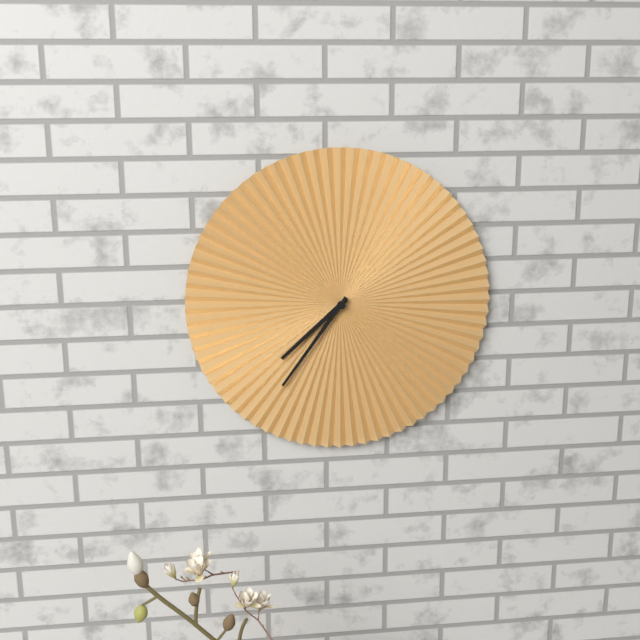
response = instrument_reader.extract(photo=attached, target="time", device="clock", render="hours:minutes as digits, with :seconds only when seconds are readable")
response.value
7:36
